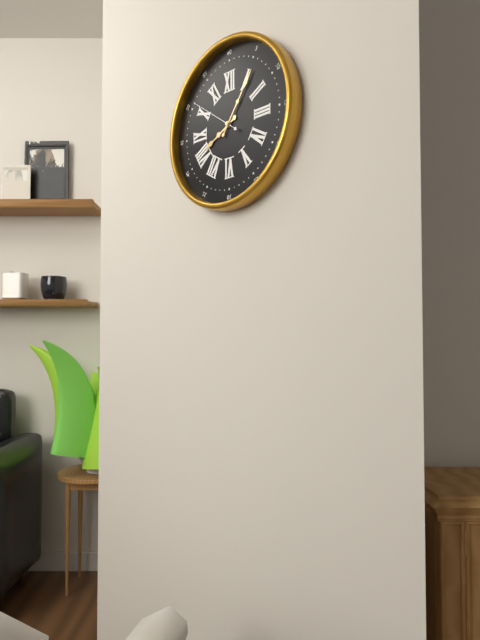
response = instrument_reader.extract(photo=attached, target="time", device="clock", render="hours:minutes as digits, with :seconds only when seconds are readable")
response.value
8:06:51
